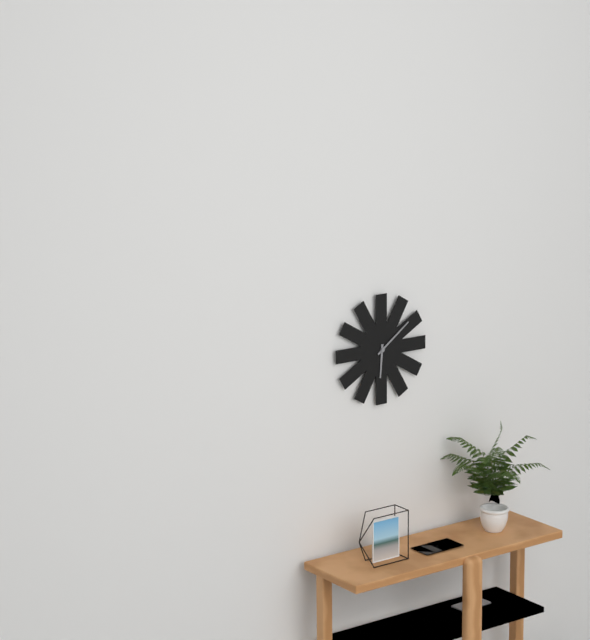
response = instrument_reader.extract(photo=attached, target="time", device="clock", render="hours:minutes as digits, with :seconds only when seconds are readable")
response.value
6:09
